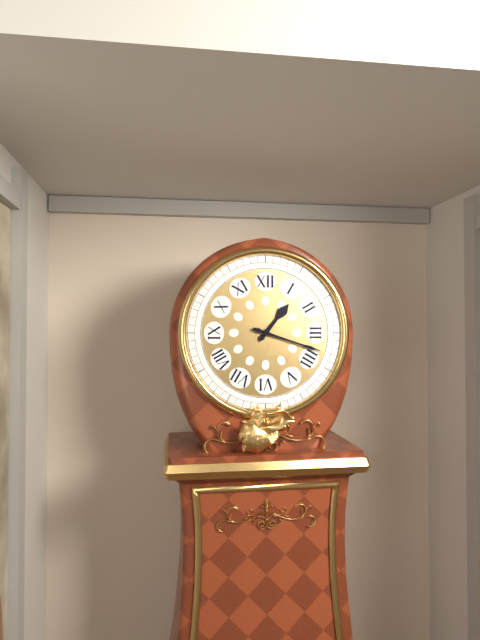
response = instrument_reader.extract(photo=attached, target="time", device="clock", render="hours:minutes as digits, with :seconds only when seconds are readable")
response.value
1:18
